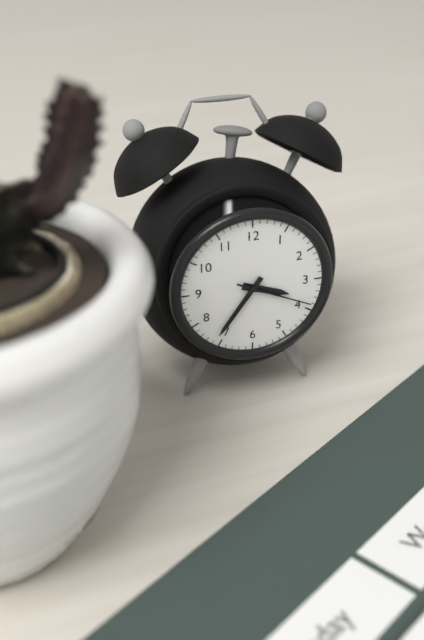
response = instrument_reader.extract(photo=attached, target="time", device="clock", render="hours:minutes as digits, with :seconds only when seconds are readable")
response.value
3:36:19
